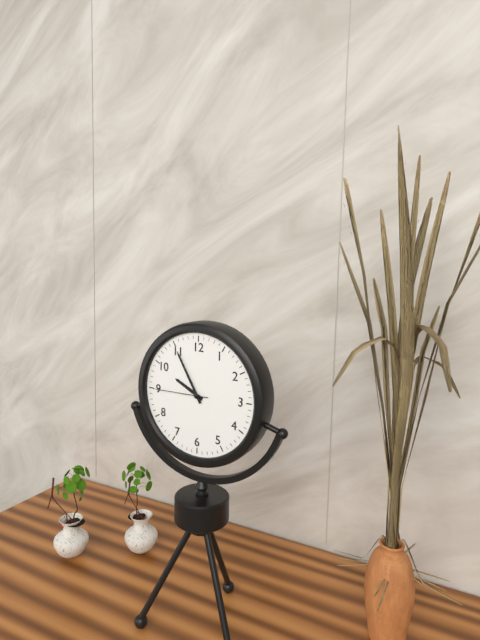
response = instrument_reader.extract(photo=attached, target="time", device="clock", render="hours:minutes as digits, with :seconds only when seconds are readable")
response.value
9:55:45
